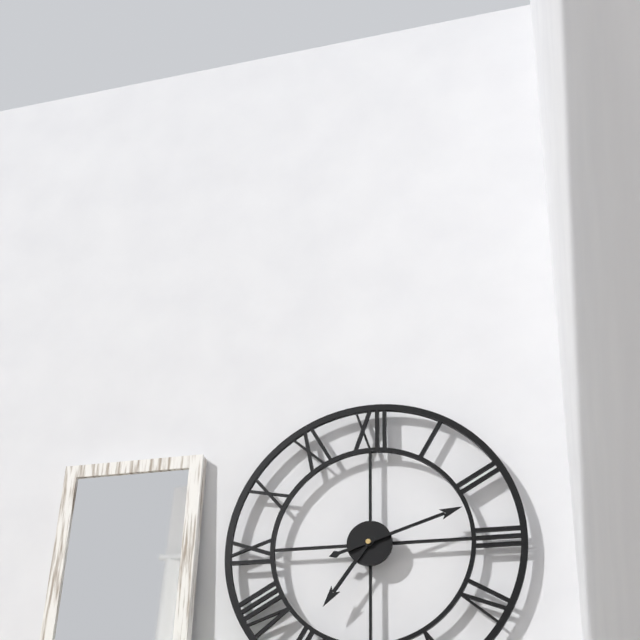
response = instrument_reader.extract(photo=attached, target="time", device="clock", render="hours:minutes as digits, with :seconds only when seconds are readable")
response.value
7:12
